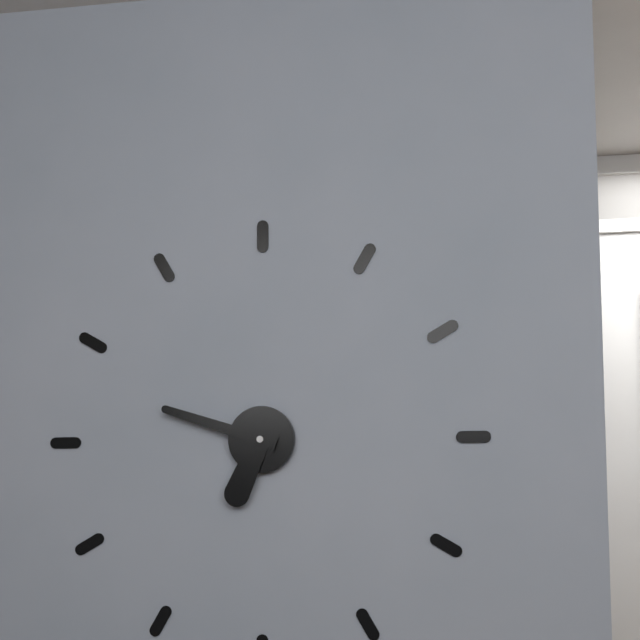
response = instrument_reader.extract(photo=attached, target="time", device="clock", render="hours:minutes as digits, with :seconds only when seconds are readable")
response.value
6:48
